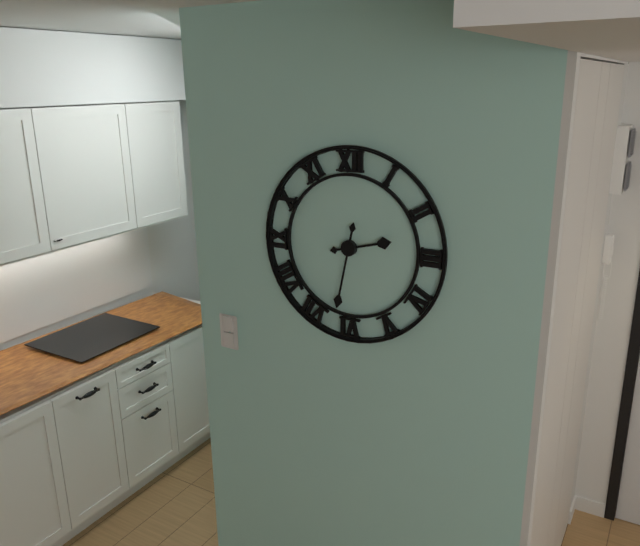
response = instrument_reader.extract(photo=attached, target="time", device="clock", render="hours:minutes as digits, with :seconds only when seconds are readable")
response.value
2:32
